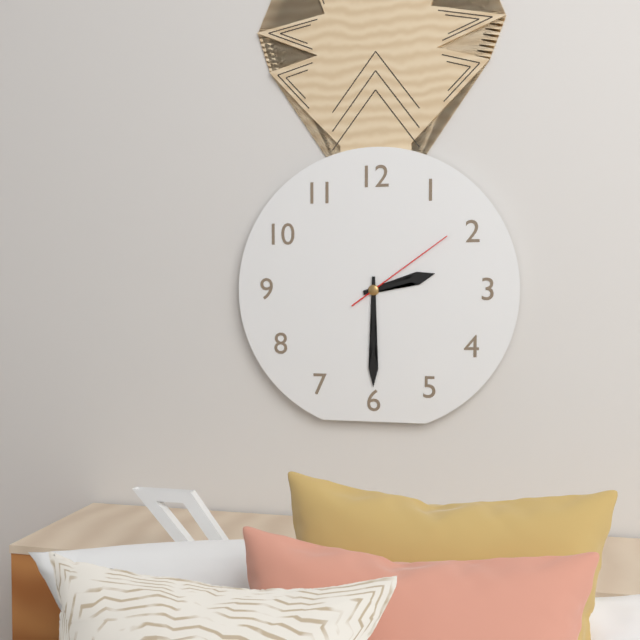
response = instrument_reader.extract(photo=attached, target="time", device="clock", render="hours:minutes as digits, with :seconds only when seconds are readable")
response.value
2:30:09
